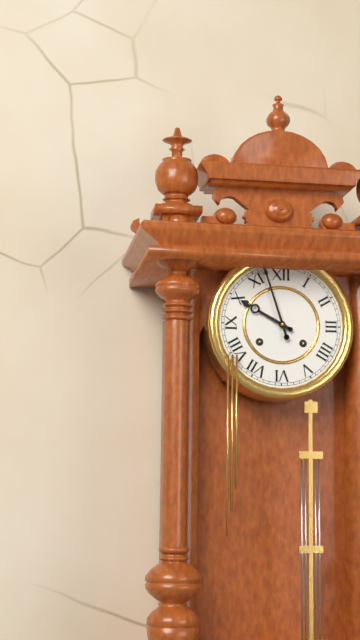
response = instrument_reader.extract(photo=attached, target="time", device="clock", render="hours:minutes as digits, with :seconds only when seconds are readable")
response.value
9:57
